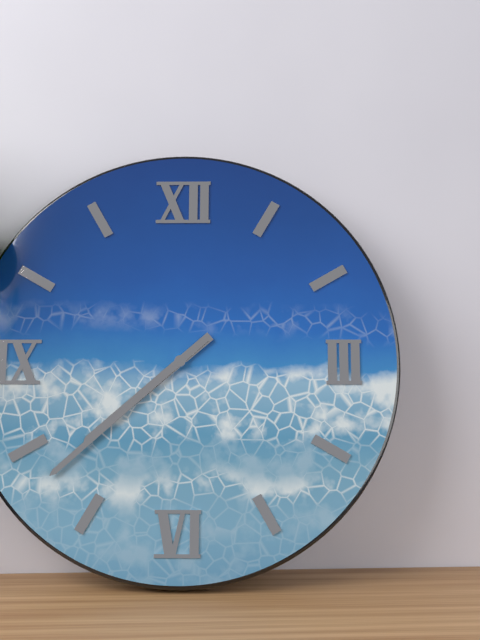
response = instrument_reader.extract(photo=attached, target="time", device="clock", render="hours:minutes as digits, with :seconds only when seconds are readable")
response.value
7:38
